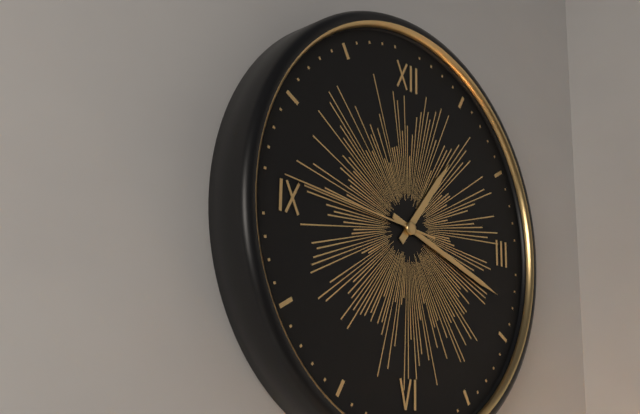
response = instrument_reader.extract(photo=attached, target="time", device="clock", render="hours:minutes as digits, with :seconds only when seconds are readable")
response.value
1:18:46
